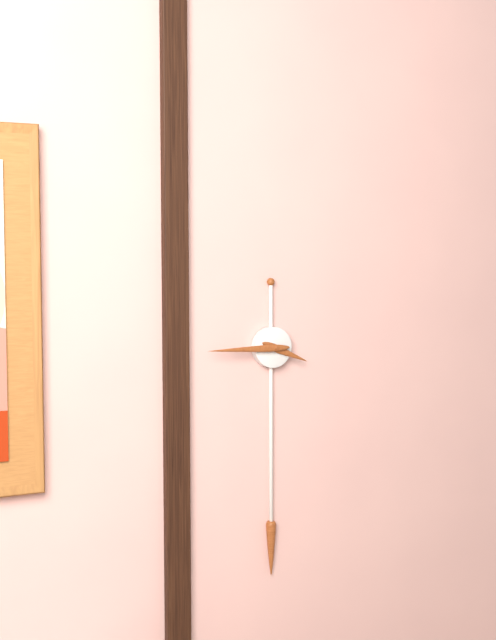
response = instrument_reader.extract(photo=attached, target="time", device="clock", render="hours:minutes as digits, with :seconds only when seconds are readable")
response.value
3:45
